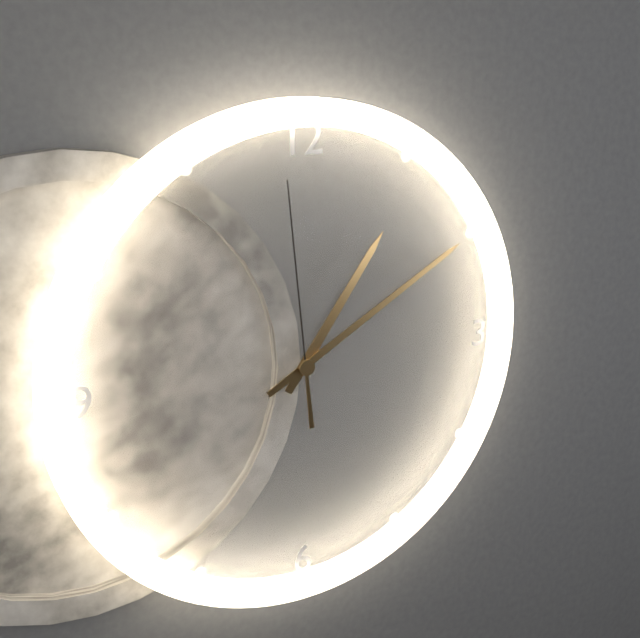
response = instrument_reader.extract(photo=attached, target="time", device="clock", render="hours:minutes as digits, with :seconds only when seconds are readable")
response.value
1:10:59
